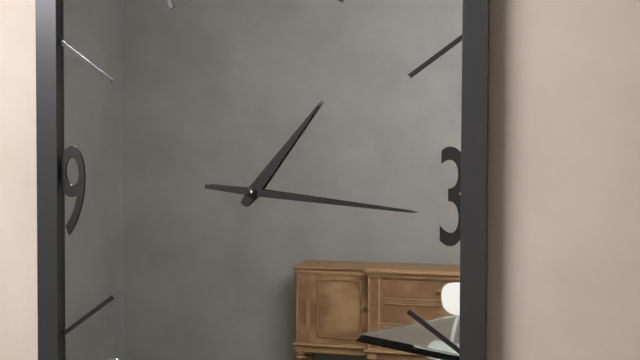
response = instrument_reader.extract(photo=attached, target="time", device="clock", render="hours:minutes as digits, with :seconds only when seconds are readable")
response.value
1:16
